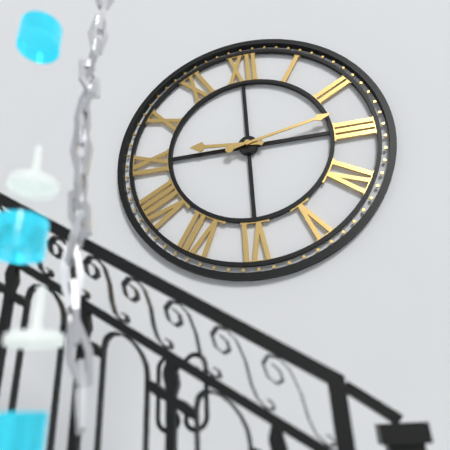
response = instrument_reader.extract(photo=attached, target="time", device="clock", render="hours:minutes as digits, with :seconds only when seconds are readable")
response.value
9:13
